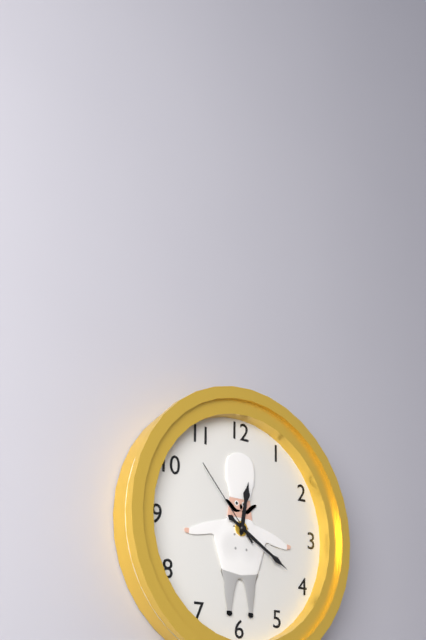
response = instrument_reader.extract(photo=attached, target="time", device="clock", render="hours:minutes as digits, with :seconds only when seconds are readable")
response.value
12:20:53
